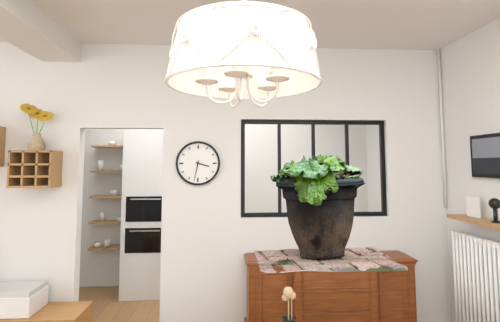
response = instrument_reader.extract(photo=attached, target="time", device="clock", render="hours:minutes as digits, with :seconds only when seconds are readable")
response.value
3:32
